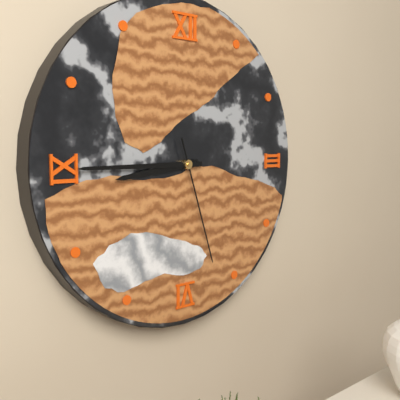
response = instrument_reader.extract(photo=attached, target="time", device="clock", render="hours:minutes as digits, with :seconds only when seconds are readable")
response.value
8:45:27
